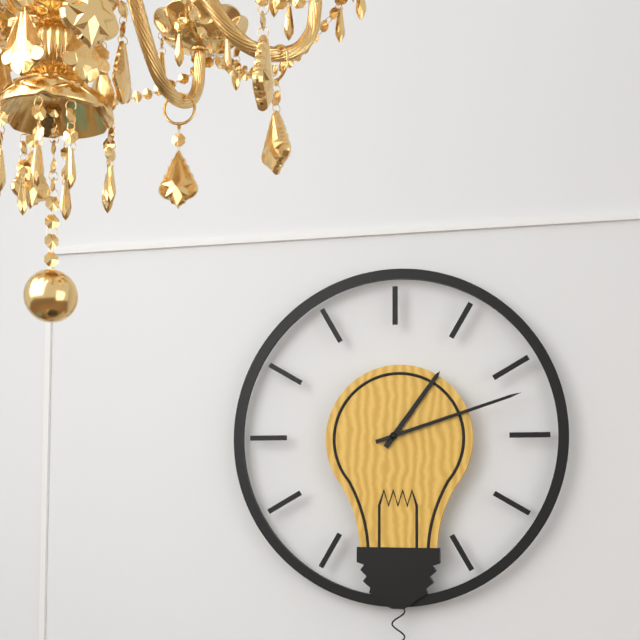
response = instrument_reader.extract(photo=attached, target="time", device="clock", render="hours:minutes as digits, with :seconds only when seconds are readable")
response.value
1:12
